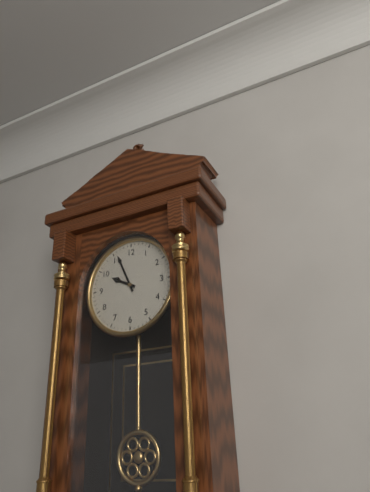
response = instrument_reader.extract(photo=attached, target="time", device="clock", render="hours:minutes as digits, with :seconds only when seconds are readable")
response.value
9:56
